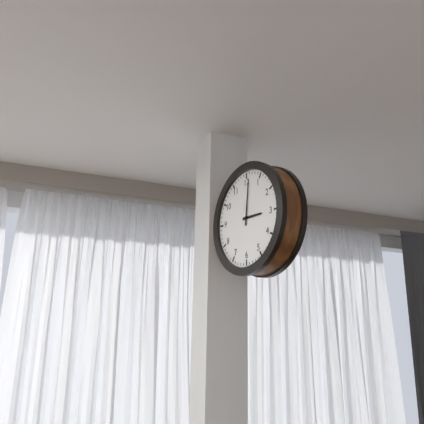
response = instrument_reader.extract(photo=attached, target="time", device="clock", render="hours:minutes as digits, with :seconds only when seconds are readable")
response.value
3:01
